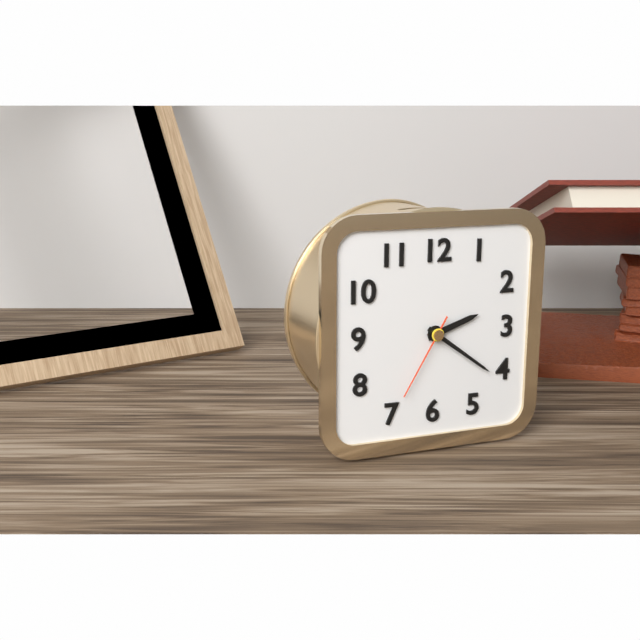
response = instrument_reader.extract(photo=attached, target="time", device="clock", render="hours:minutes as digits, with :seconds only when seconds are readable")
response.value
2:21:35
